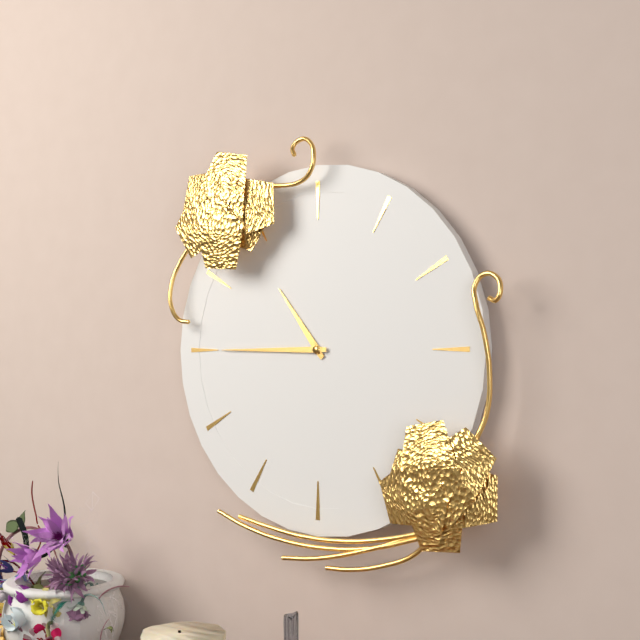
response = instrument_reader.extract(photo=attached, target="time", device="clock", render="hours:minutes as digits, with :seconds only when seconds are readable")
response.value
10:45
